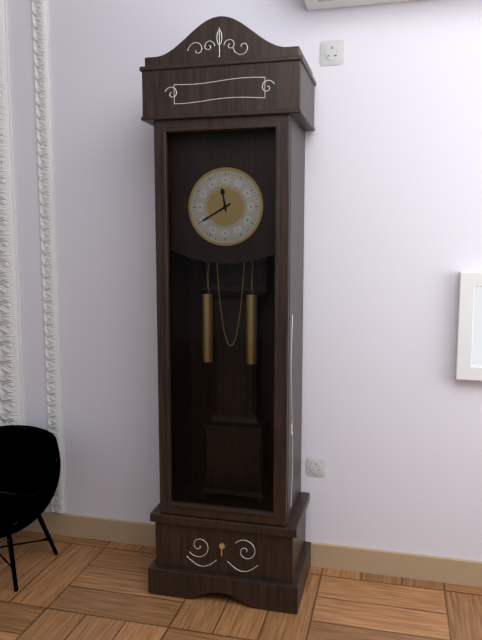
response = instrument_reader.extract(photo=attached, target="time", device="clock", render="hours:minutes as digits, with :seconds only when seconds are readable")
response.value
11:40
